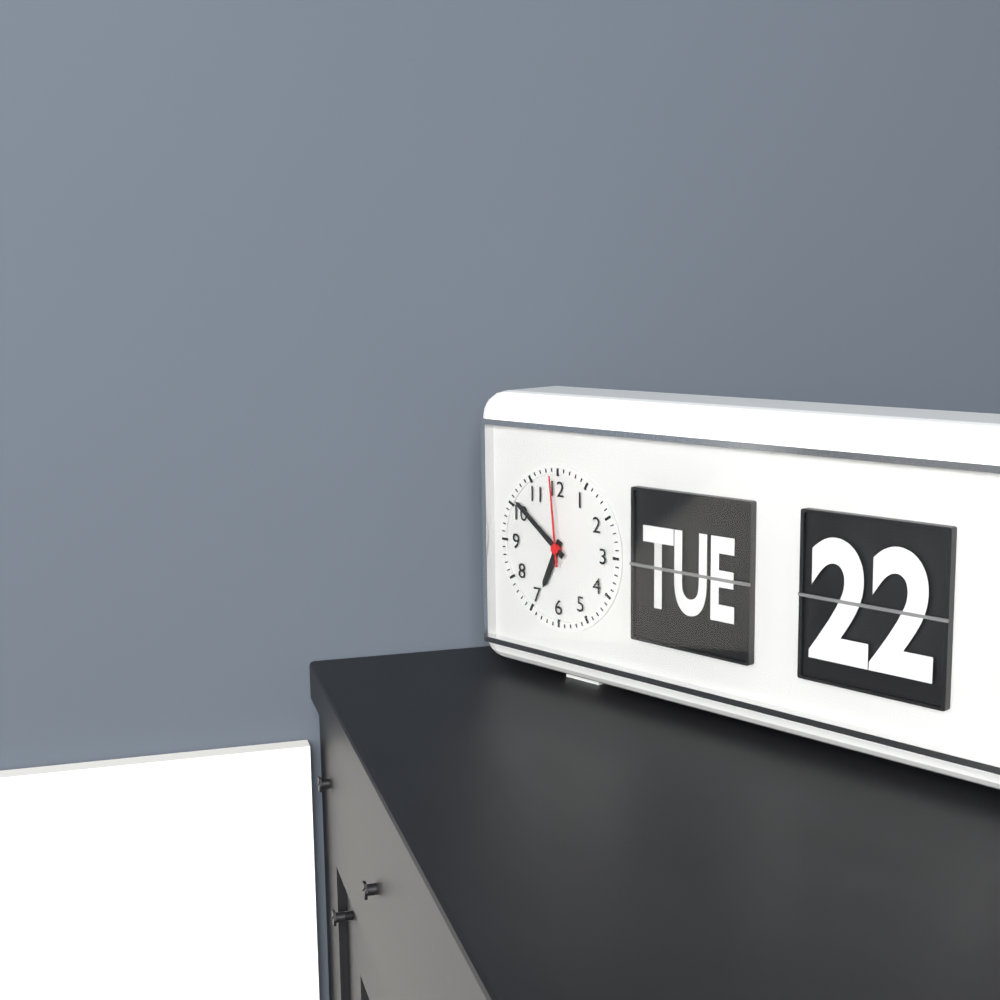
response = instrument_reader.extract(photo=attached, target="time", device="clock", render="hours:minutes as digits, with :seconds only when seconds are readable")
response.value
6:51:59
